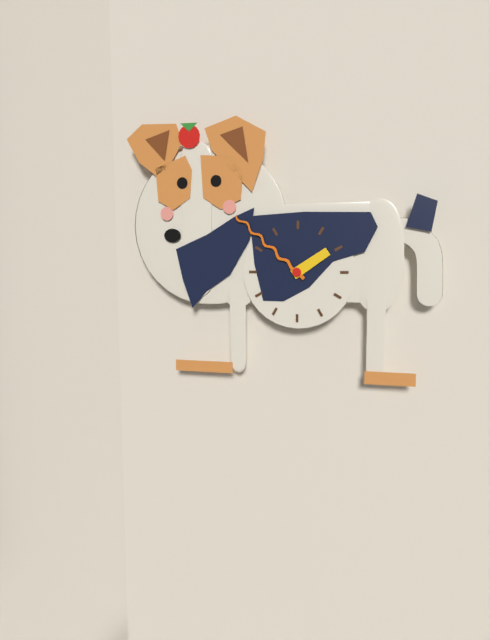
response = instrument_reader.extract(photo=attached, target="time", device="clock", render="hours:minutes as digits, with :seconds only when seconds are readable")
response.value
1:52
